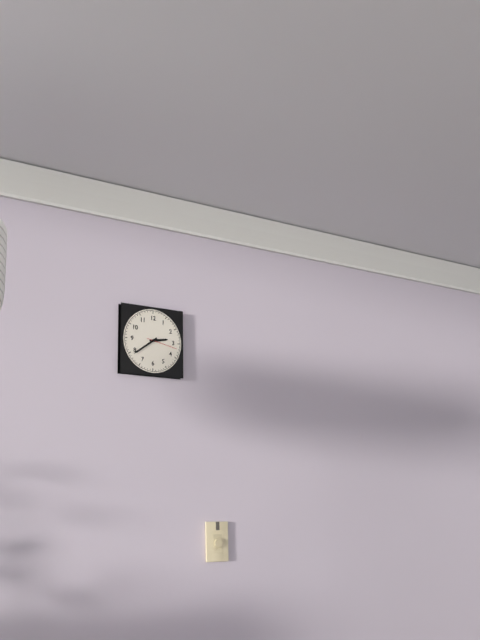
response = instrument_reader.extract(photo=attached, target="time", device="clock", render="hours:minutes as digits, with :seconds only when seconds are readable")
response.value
2:39
